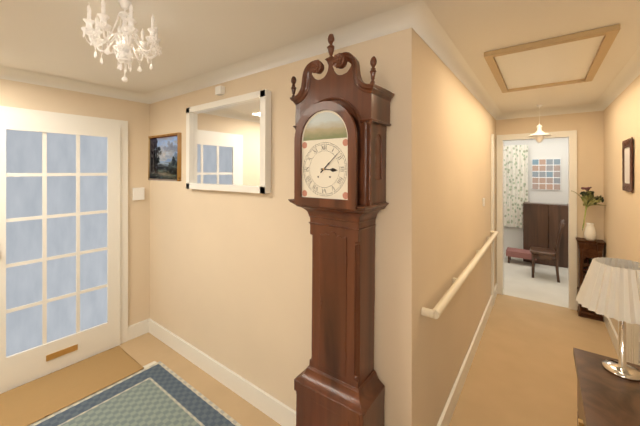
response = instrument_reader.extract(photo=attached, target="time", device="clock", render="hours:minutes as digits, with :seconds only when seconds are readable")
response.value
3:08
